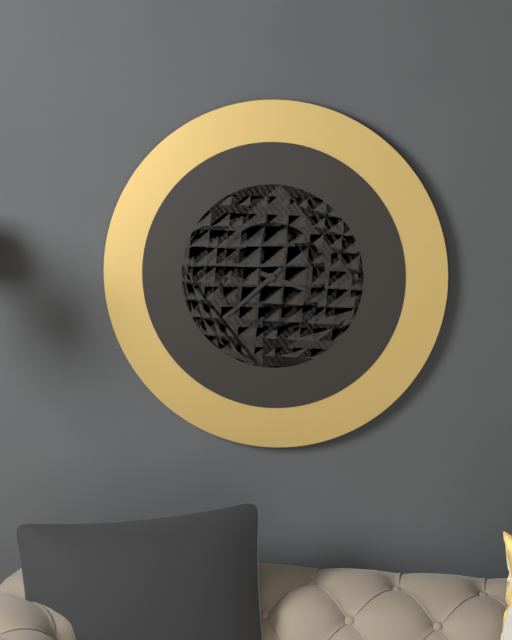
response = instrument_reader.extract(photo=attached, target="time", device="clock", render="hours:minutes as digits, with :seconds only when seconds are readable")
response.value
3:38
